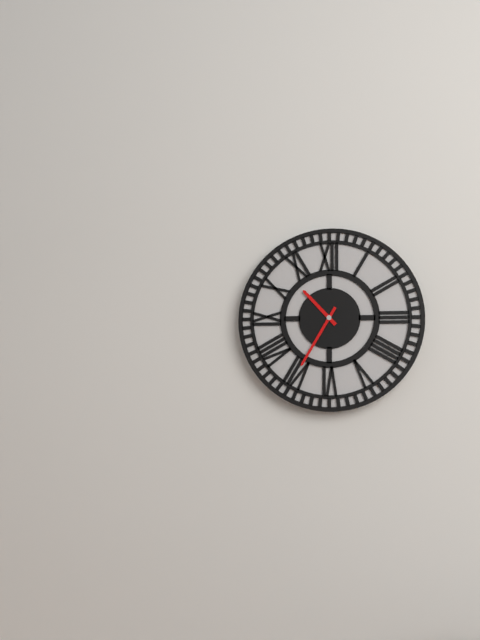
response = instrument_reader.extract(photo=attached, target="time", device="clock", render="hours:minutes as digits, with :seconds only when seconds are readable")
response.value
10:35
